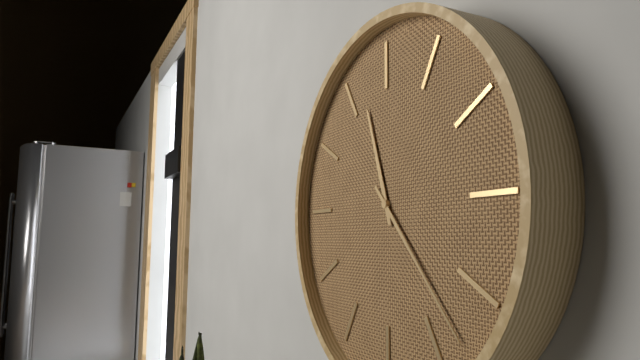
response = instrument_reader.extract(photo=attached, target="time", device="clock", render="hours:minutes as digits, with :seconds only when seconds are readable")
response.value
11:23
